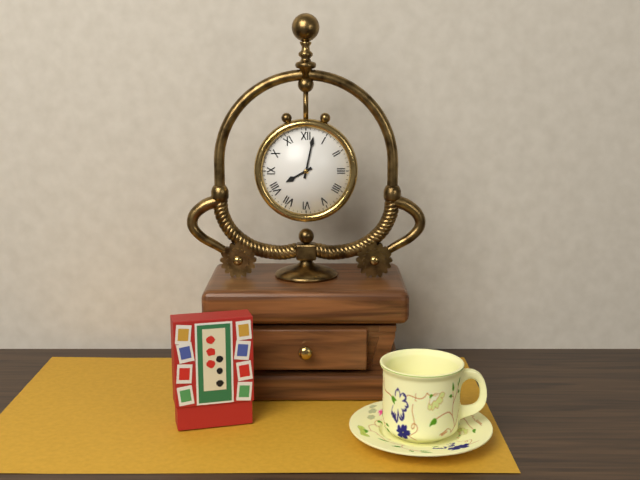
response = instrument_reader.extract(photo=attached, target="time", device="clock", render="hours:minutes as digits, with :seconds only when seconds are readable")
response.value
8:02
